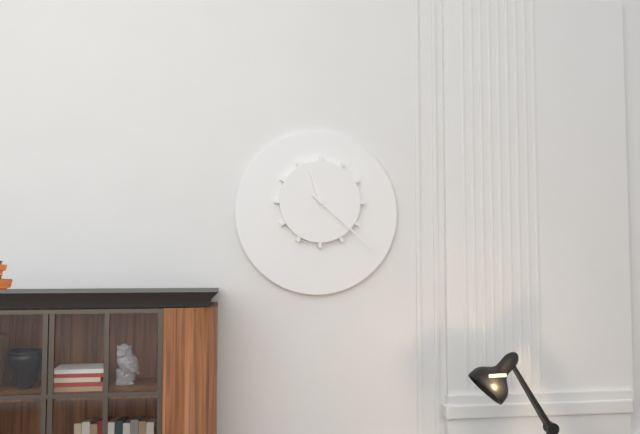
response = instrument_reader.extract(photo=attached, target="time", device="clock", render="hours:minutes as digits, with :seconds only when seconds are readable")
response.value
11:22
